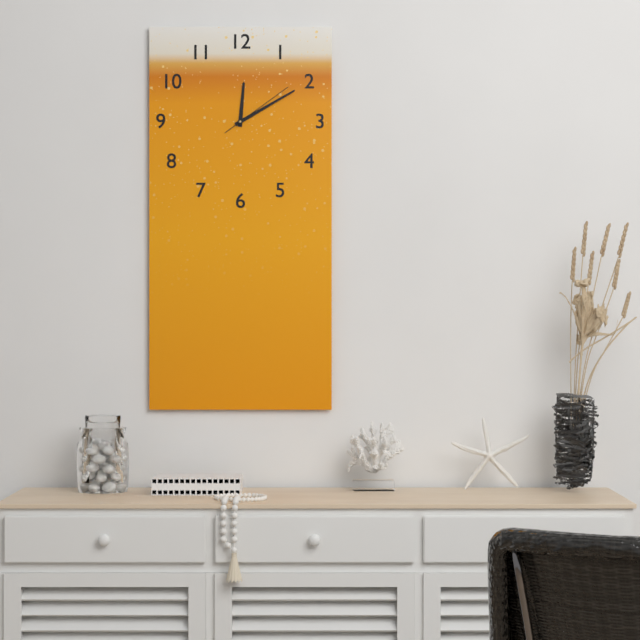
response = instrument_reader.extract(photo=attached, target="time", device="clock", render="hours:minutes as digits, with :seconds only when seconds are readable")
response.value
12:10:09
